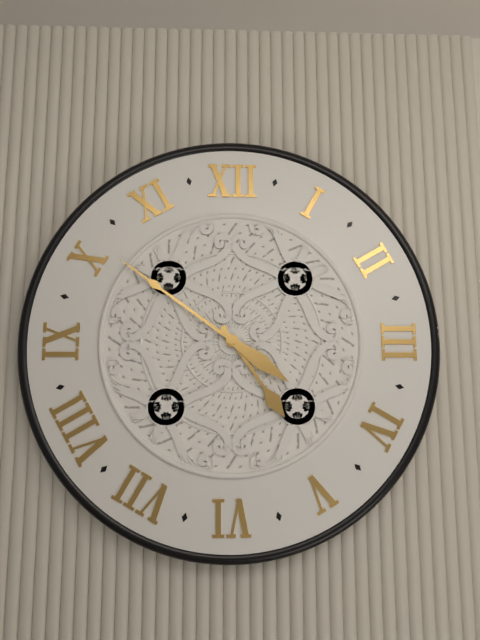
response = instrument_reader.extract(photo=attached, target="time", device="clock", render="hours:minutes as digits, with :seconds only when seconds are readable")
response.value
4:51
